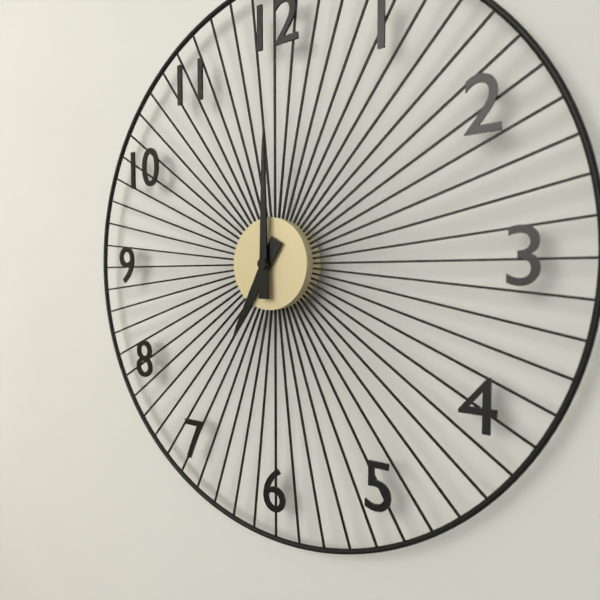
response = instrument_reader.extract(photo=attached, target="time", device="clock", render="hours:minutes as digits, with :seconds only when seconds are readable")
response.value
7:00
